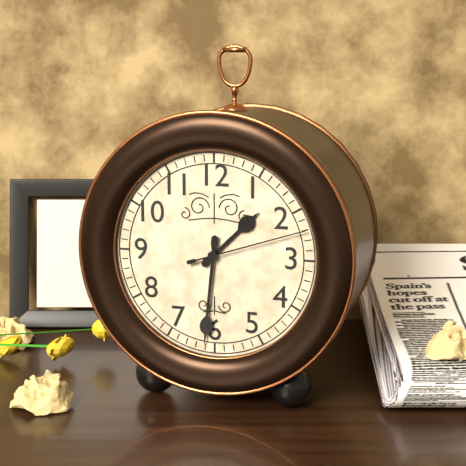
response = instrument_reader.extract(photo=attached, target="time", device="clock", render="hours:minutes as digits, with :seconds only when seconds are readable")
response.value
1:31:12
